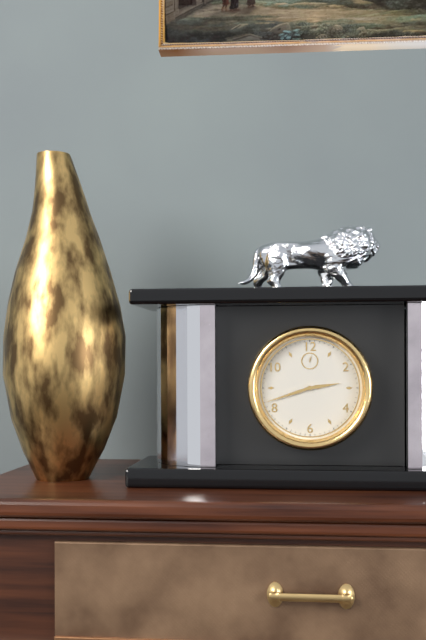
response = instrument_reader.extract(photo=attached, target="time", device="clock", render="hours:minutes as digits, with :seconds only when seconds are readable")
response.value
2:42
